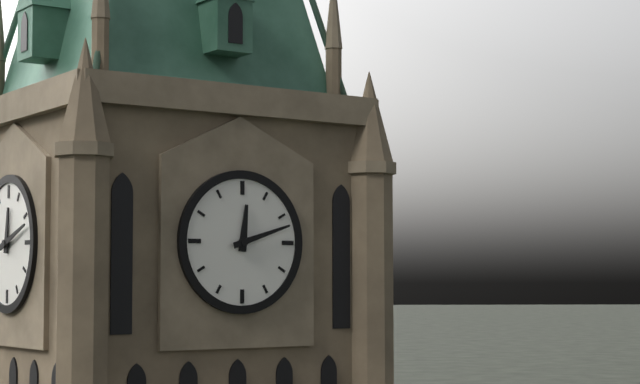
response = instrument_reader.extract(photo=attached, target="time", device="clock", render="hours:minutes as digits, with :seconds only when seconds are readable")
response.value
12:12
